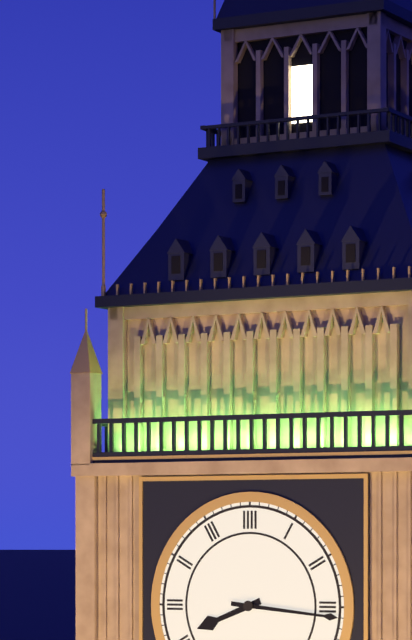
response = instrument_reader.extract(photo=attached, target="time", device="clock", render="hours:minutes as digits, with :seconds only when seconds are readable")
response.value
8:16
